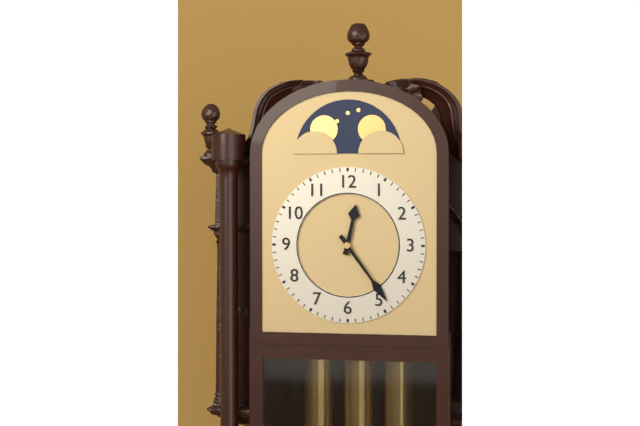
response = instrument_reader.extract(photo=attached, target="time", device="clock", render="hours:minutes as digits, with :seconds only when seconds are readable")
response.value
12:24
